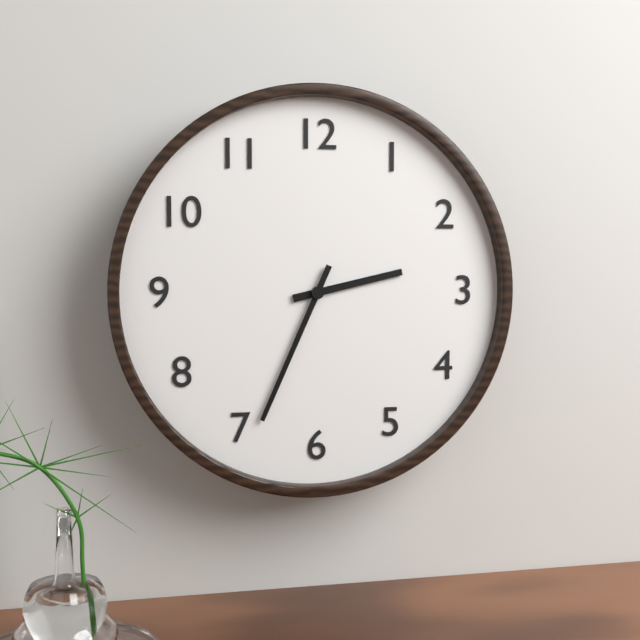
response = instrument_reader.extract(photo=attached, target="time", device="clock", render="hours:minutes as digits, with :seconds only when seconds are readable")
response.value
2:34
